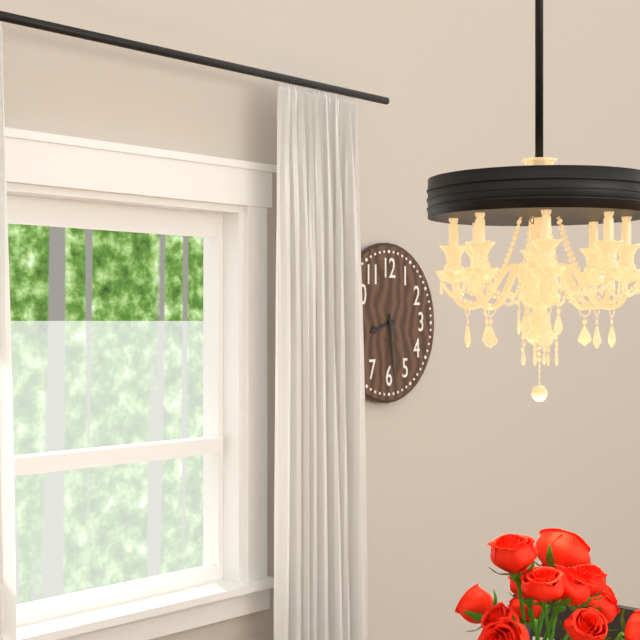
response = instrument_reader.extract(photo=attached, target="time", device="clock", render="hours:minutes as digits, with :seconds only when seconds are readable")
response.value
8:29
